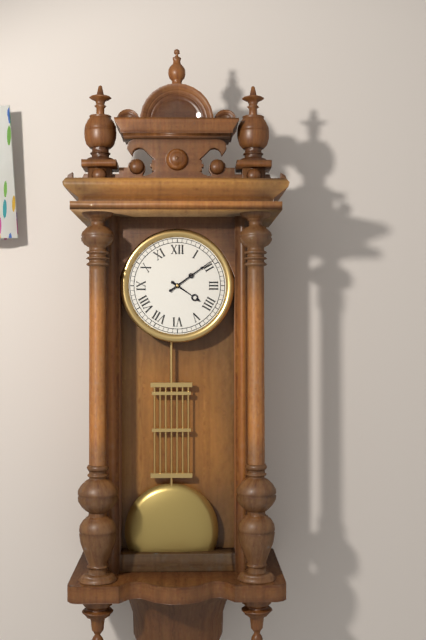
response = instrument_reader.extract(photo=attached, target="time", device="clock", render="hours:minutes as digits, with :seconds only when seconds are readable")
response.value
4:09
